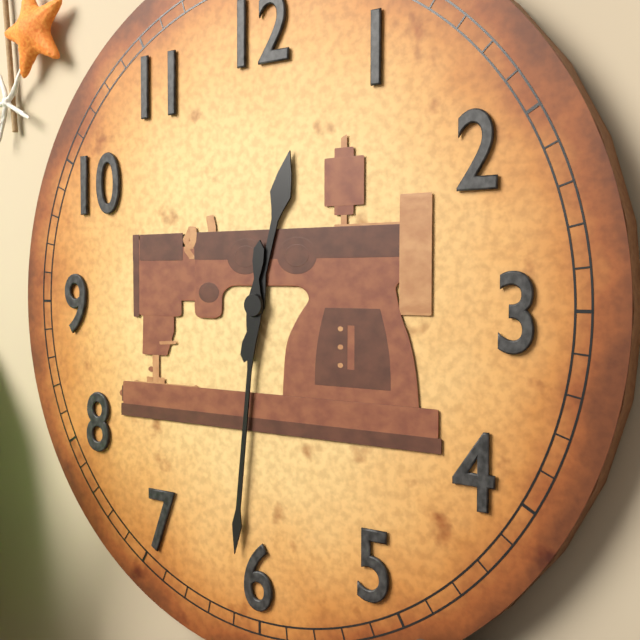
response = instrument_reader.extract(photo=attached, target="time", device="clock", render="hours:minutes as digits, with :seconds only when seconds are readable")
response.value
12:31
